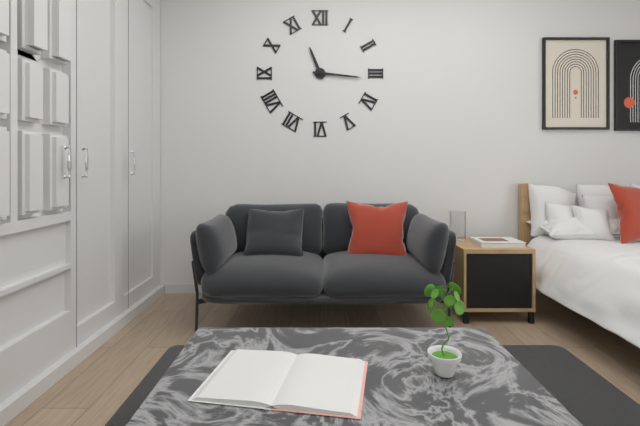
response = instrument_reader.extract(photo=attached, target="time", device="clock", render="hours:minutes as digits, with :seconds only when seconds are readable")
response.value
11:16
